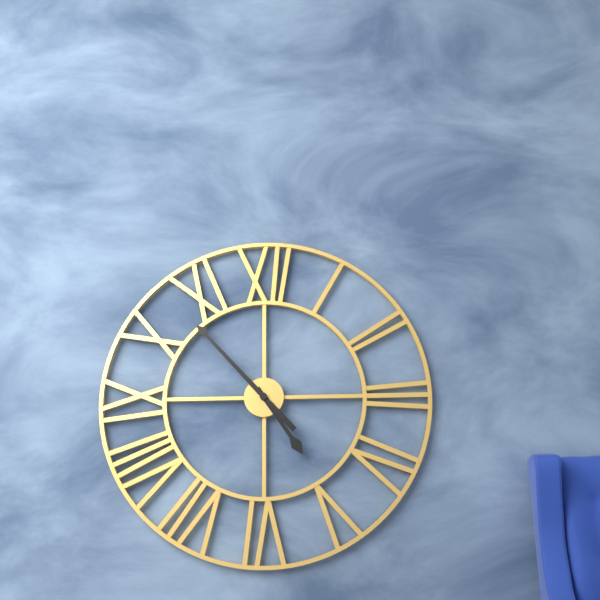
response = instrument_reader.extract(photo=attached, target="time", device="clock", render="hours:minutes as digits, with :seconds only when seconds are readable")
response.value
4:53
